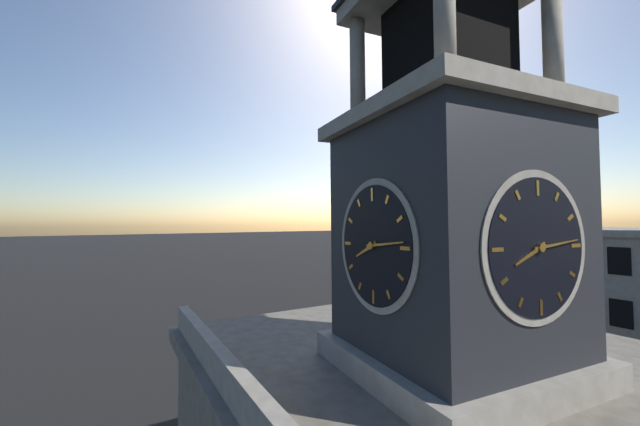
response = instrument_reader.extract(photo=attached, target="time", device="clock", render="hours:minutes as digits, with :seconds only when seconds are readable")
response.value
8:14
